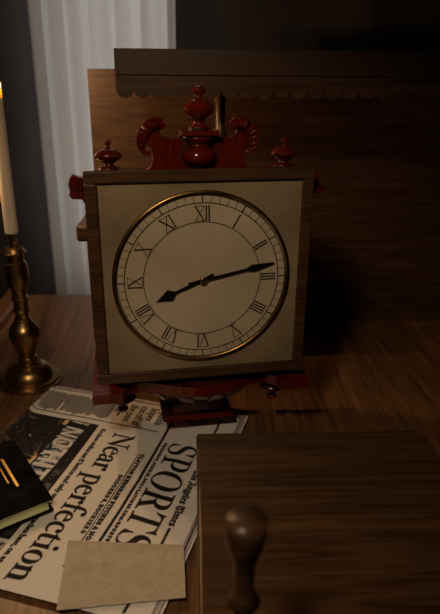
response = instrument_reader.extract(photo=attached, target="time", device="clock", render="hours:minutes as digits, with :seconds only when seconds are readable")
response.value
8:13
